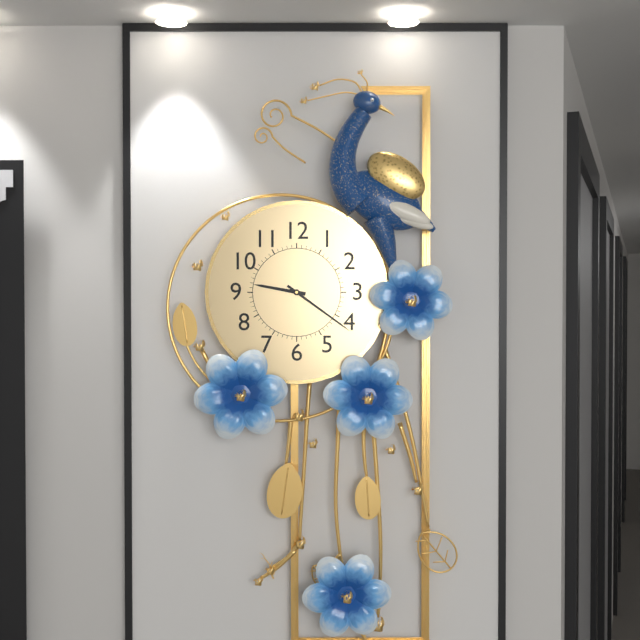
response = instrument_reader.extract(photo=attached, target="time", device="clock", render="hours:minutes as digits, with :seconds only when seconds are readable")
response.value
9:21
